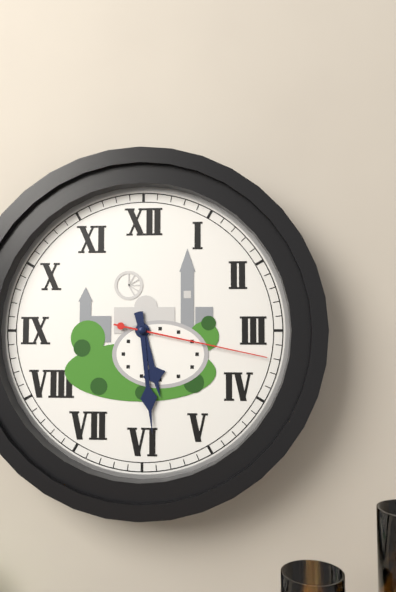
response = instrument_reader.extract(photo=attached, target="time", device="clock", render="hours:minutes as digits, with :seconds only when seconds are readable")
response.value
5:29:17
